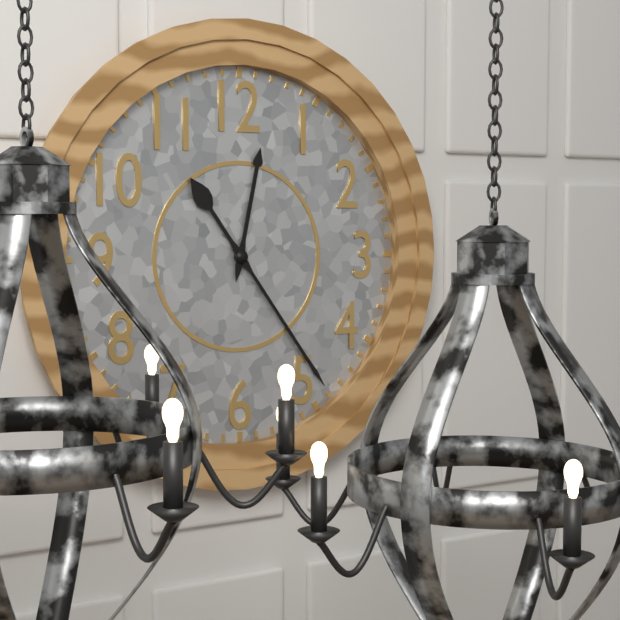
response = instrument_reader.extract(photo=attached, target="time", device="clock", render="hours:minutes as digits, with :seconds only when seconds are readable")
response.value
12:24
